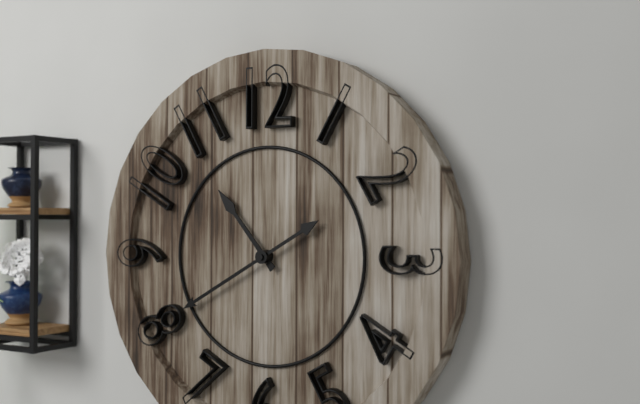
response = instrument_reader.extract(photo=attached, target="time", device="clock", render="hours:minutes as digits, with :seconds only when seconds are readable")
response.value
10:40
